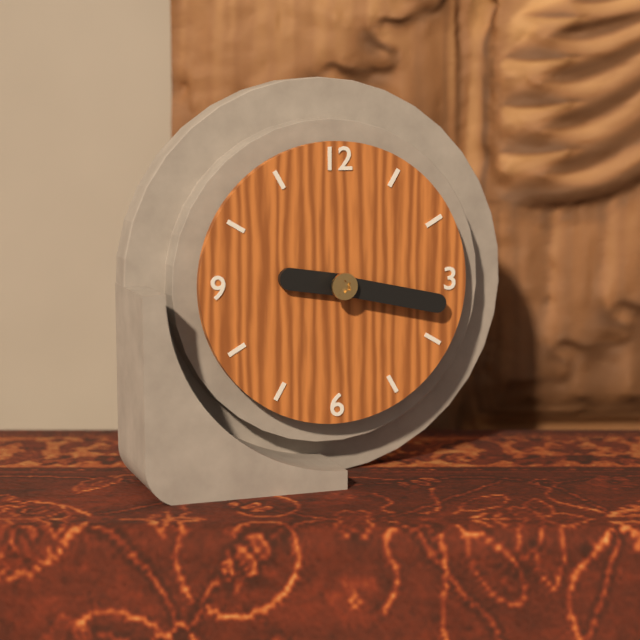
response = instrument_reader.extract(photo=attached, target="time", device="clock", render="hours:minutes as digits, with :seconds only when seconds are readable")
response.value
9:17
